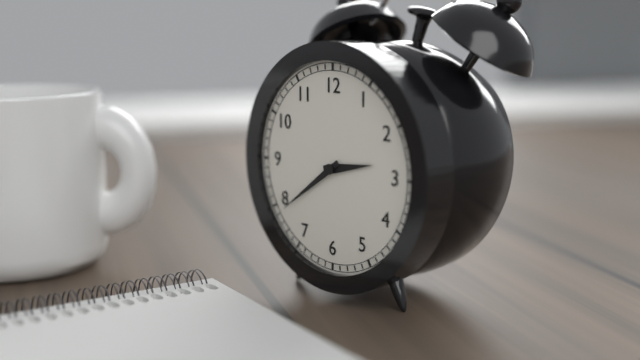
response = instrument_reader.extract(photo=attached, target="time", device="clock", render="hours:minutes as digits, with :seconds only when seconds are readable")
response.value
2:39
